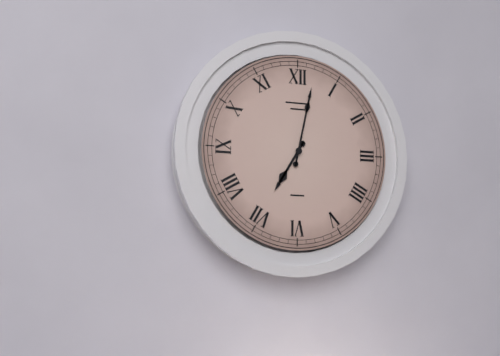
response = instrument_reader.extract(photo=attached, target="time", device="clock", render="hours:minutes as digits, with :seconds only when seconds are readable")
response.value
7:02
